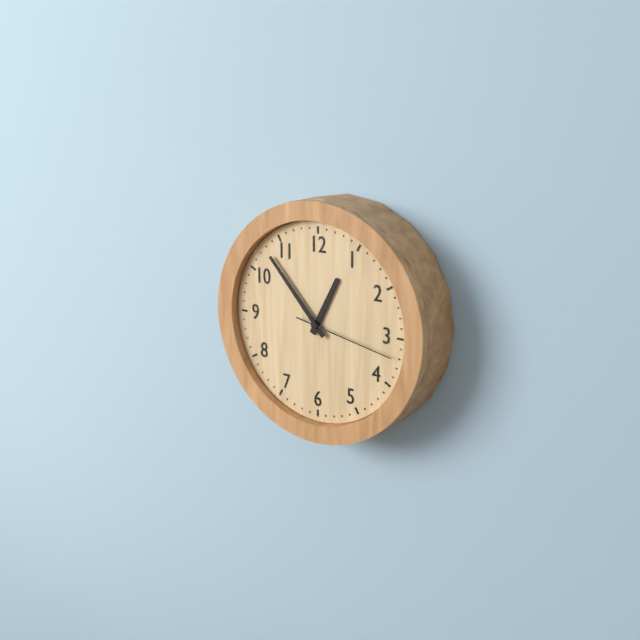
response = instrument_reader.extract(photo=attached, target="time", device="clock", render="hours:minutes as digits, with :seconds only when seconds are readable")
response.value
12:53:17
